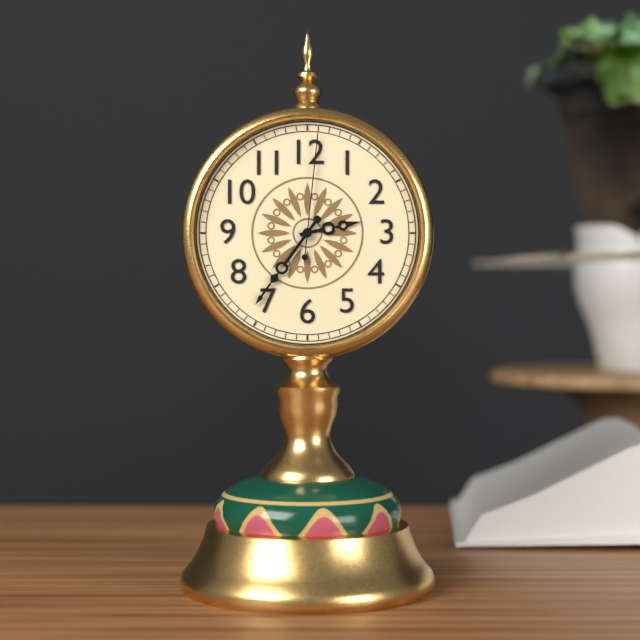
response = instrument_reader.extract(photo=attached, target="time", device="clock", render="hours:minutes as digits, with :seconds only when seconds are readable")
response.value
2:36:01
